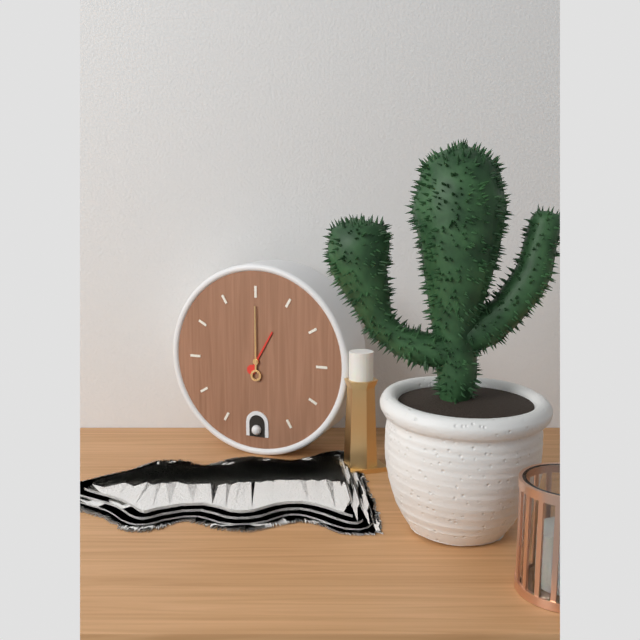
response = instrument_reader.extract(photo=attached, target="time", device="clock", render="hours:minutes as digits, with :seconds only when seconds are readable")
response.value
1:00
